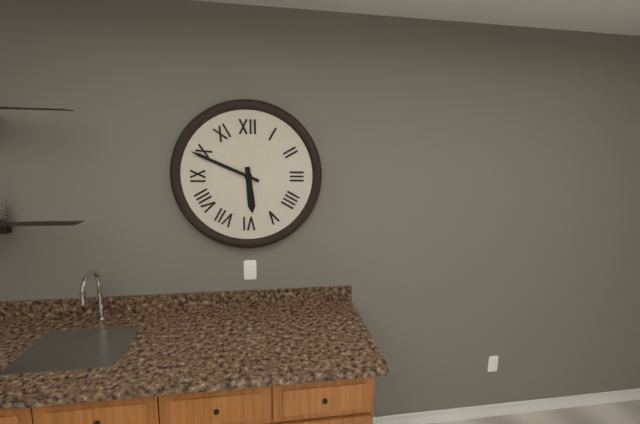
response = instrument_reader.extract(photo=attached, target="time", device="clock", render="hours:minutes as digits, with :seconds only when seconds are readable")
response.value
5:49
